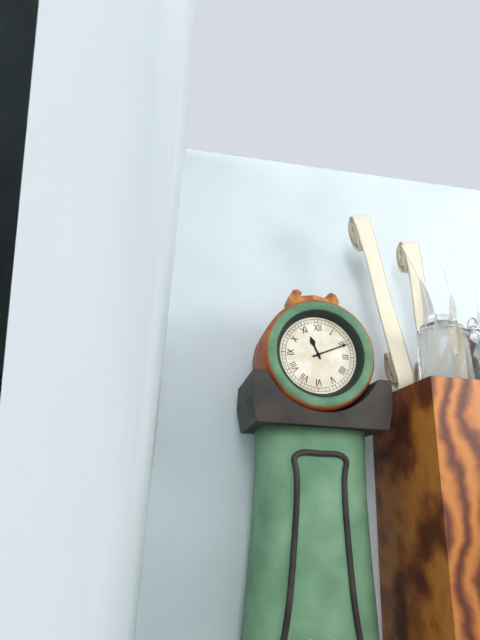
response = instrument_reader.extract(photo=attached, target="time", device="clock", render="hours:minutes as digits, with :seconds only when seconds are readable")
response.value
11:11
